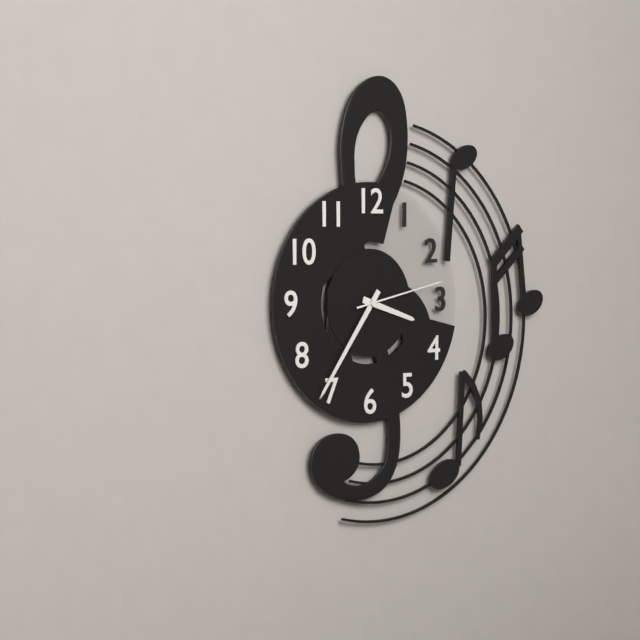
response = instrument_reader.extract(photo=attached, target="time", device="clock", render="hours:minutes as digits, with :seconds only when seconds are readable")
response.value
3:36:13
